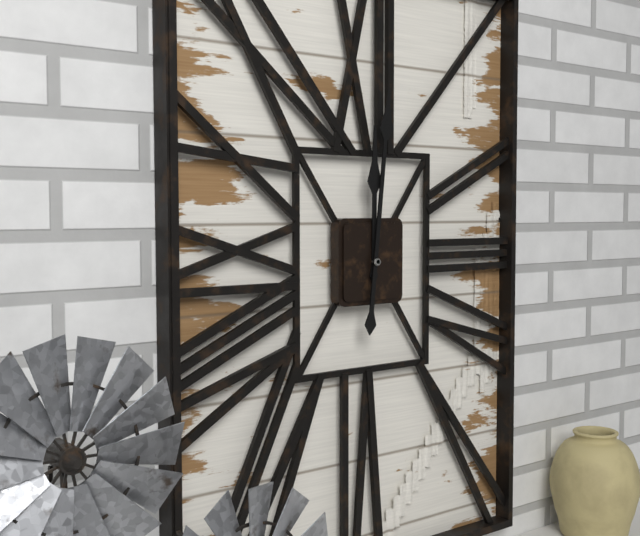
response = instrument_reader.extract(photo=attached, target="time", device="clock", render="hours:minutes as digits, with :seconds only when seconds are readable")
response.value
12:01
